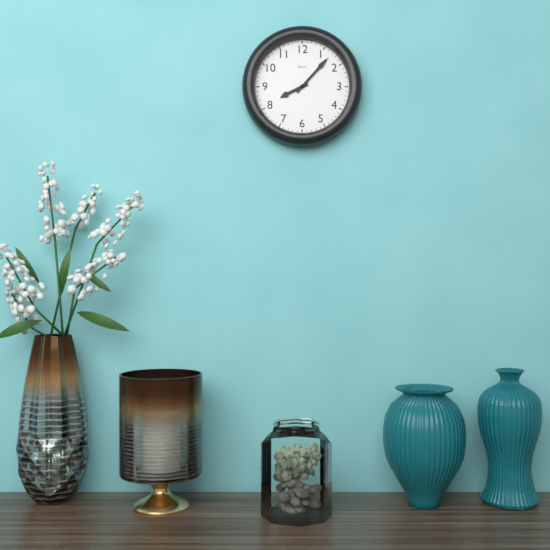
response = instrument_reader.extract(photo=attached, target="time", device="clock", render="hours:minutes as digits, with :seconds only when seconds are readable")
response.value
8:07
